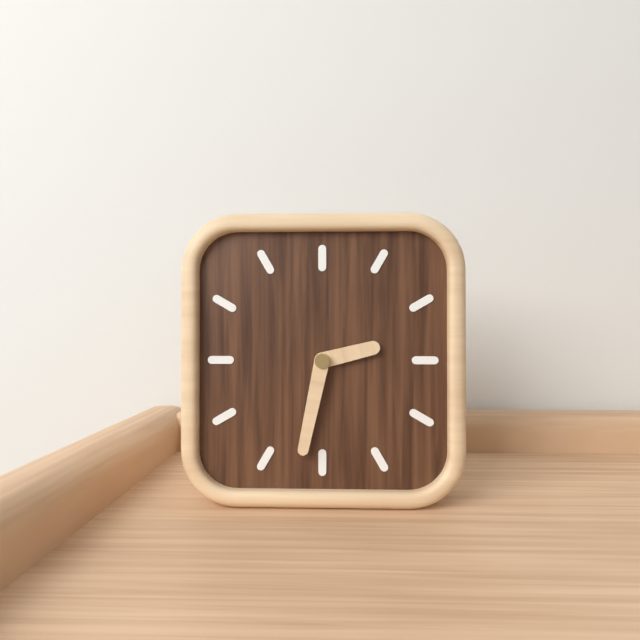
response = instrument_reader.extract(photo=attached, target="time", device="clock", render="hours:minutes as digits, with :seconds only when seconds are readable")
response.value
2:32
